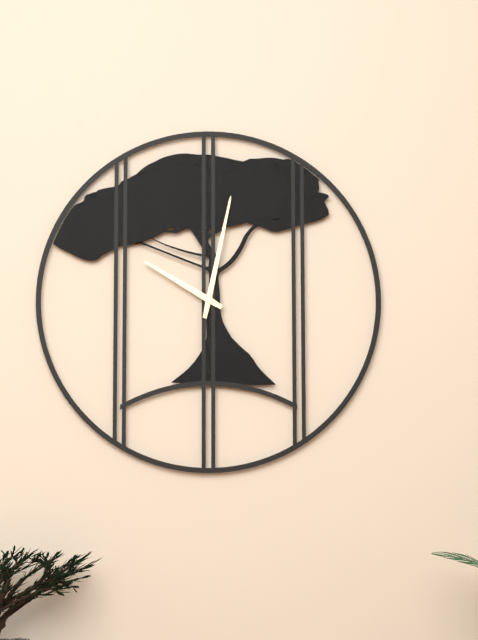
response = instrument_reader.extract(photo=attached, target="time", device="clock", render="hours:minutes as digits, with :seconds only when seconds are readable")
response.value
10:02
